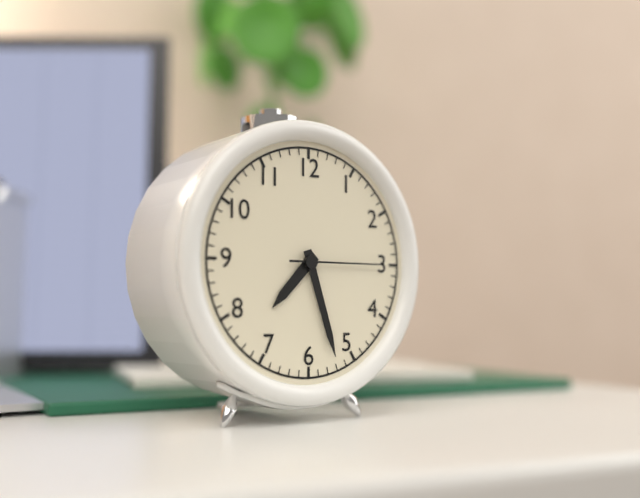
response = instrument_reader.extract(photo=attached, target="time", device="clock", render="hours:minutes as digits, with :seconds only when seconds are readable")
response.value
7:27:15
